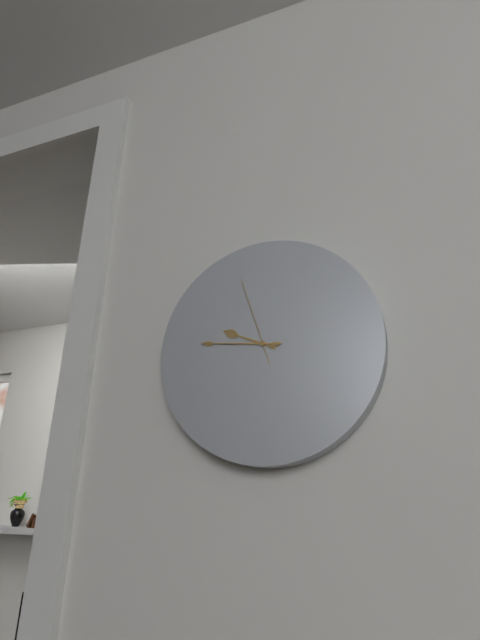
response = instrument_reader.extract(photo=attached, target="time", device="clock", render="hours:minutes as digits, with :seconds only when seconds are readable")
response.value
9:46:57
